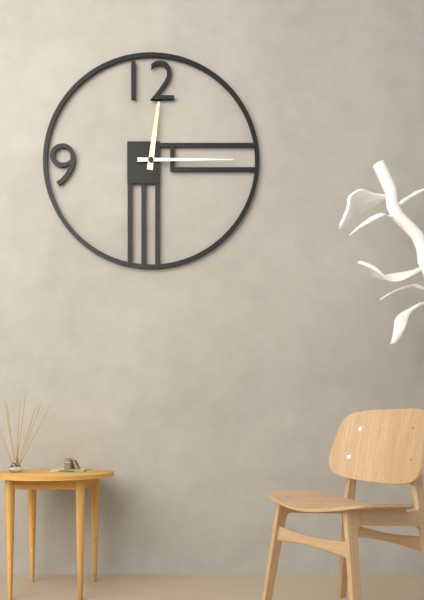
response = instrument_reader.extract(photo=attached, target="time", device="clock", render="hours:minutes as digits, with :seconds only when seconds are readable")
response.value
12:15
